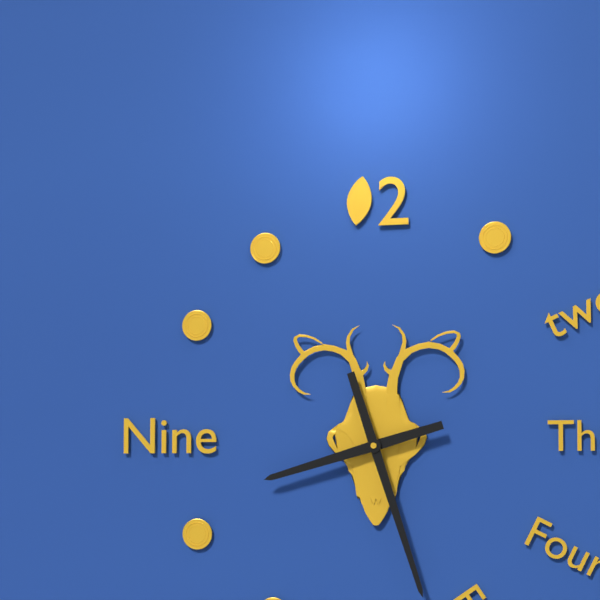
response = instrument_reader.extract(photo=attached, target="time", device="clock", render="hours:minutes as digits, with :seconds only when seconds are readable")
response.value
8:27
